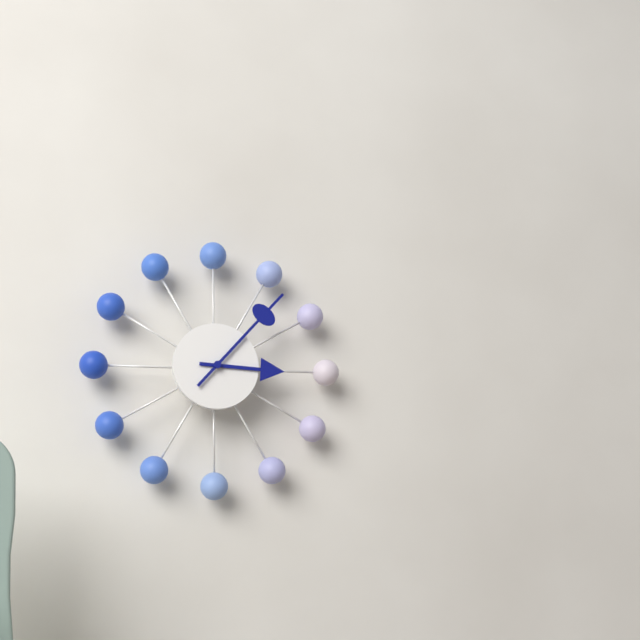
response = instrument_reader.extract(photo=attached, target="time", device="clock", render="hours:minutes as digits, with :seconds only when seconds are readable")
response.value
3:07
